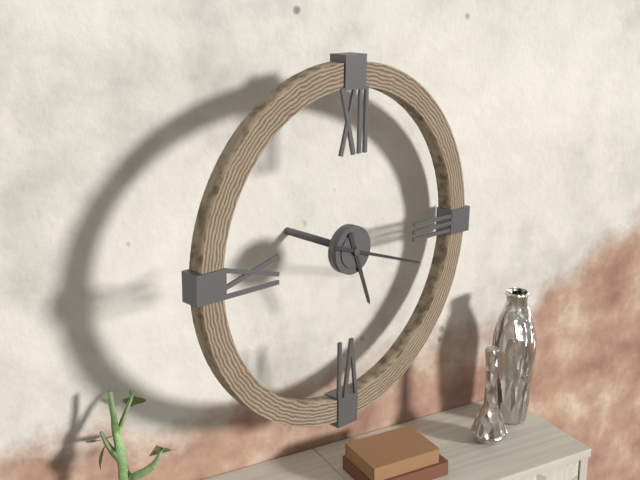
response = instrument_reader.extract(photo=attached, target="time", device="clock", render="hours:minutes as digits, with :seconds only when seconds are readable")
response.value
5:18
